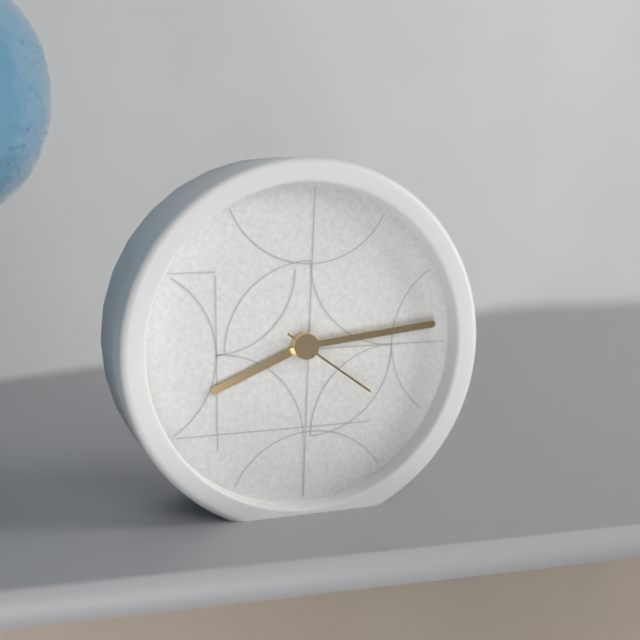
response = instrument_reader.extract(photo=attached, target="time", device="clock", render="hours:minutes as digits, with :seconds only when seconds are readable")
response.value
8:14:21
